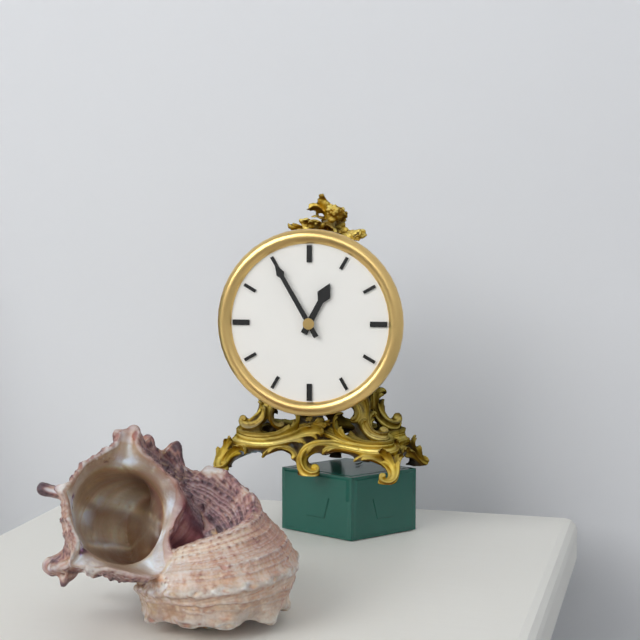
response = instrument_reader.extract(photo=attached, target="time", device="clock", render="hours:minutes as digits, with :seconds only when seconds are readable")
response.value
12:55
